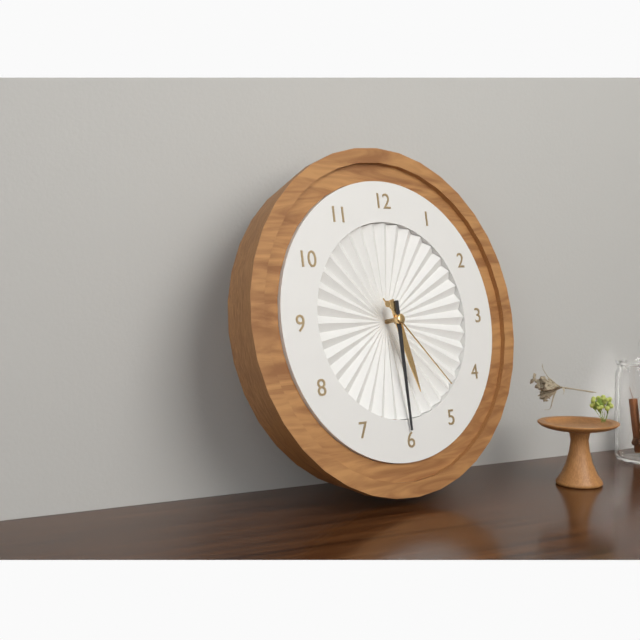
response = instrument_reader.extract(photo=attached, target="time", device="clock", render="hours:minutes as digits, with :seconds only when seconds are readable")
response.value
5:30:23
